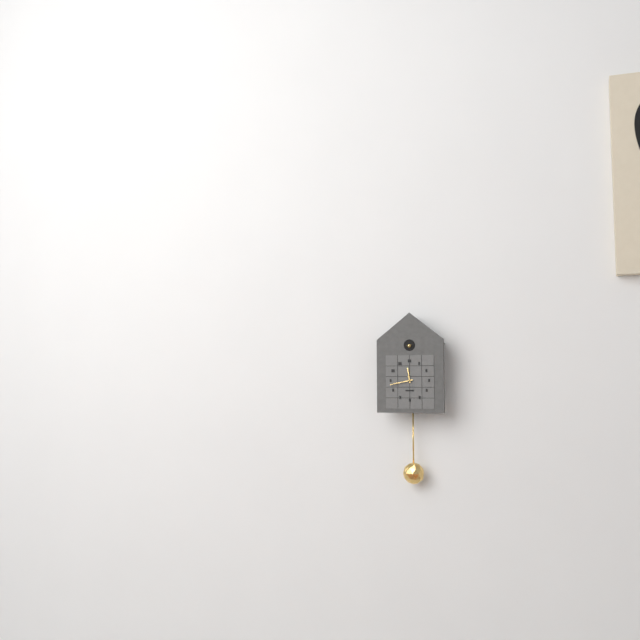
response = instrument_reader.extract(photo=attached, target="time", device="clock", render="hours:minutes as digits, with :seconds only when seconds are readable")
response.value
11:43
